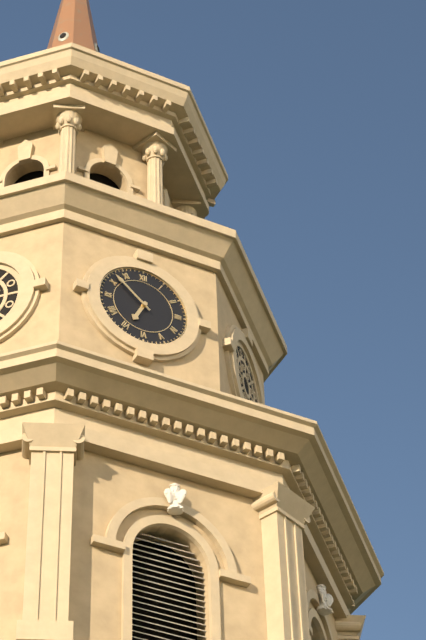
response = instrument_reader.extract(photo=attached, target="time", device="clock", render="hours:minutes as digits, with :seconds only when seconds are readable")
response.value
6:52
